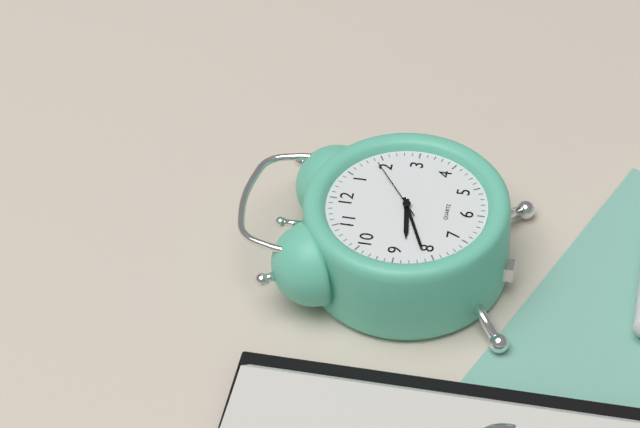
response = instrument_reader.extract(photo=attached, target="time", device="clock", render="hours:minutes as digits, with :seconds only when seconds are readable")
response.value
8:41:09
